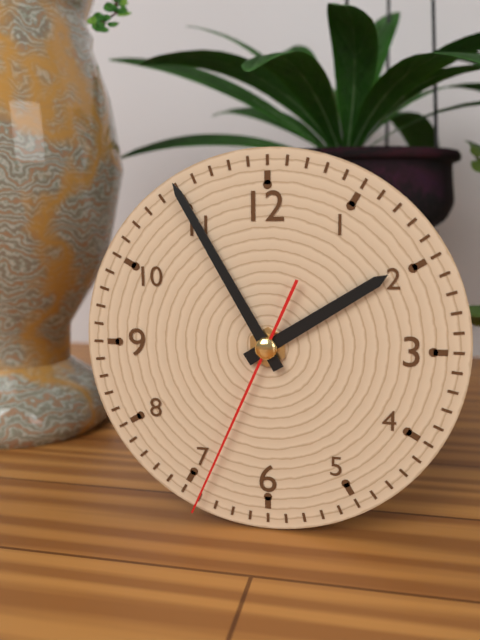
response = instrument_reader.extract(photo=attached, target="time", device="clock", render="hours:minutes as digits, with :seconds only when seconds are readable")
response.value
1:55:34
